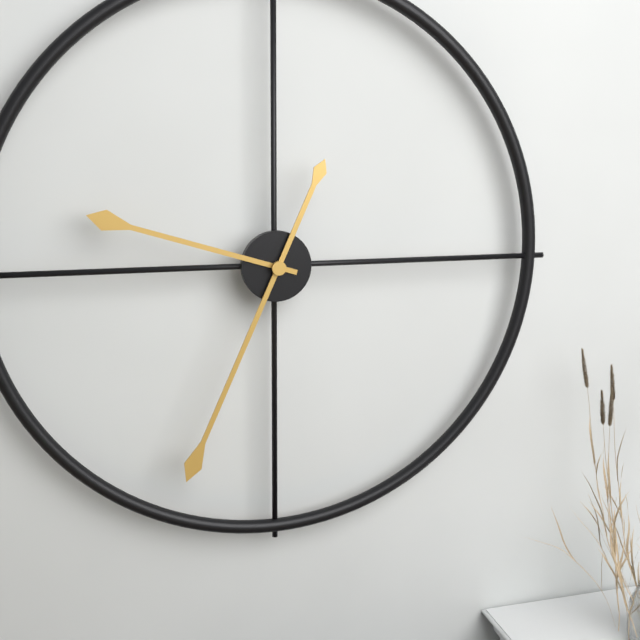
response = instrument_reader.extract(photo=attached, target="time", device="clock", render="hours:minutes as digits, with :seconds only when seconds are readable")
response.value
9:34
